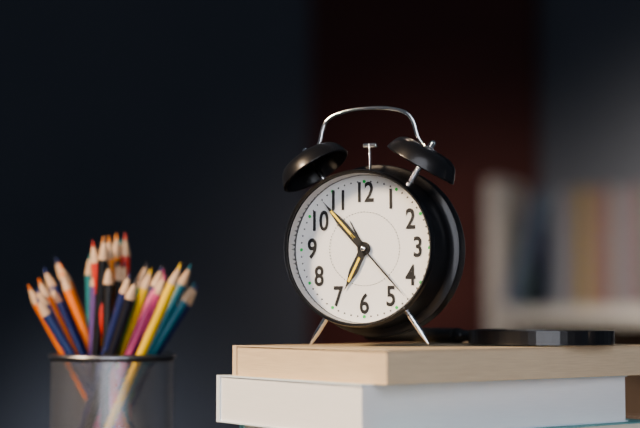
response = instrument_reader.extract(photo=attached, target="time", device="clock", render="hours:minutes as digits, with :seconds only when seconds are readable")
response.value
6:53:23
